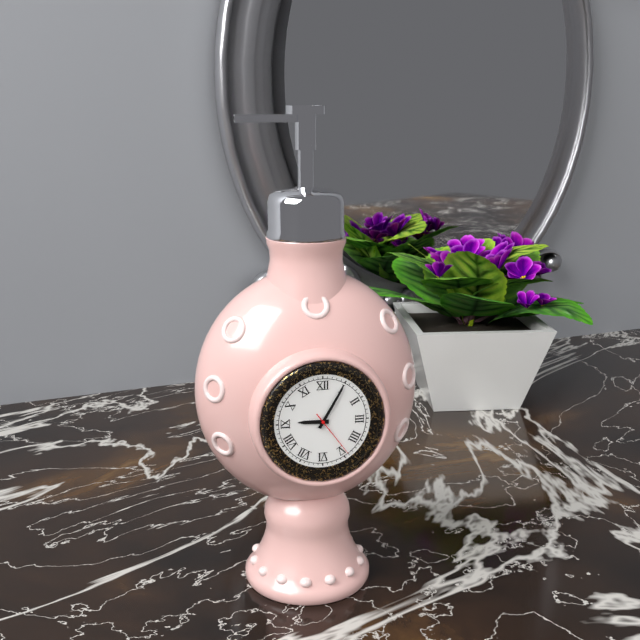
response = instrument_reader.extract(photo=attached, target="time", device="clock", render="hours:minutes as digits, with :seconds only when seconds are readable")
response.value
9:05:24
